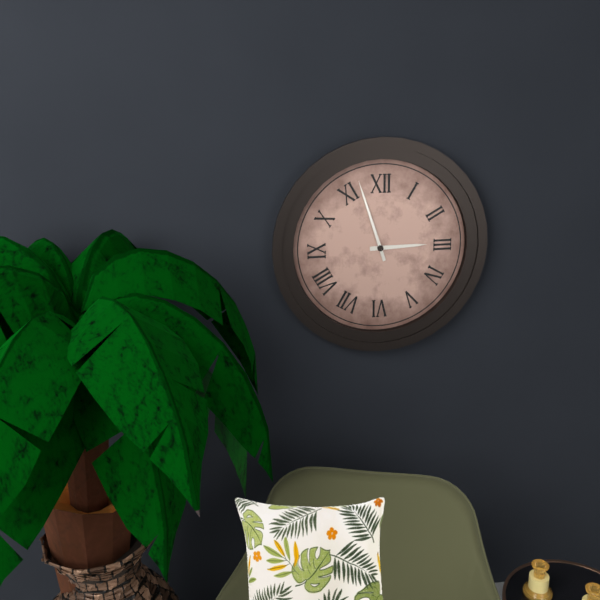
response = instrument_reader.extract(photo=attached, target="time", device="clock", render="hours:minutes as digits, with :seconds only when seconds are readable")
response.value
2:57
